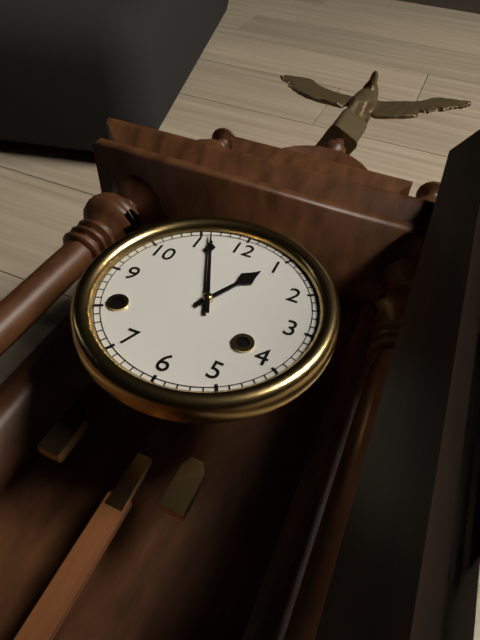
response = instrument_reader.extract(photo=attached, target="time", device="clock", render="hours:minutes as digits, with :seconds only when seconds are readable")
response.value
12:56
